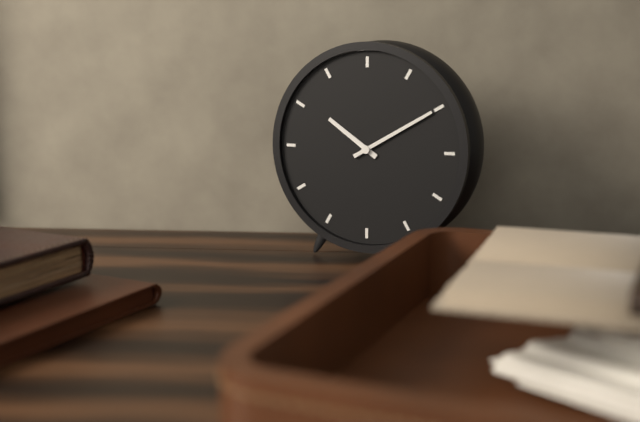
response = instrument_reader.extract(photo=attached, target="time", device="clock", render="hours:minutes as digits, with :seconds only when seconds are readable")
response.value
10:10
